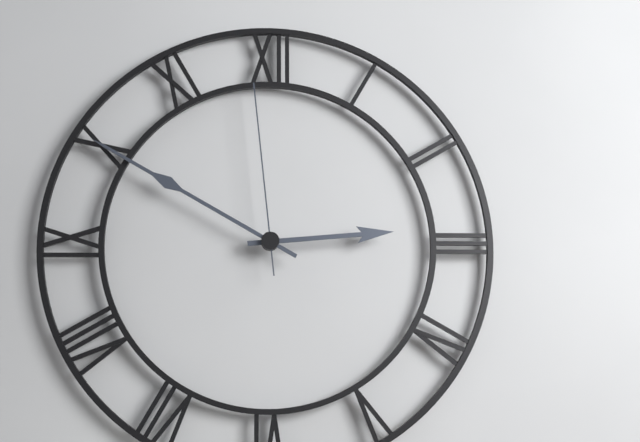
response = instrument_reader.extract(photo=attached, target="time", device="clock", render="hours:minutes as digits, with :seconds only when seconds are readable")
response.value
2:50:59
